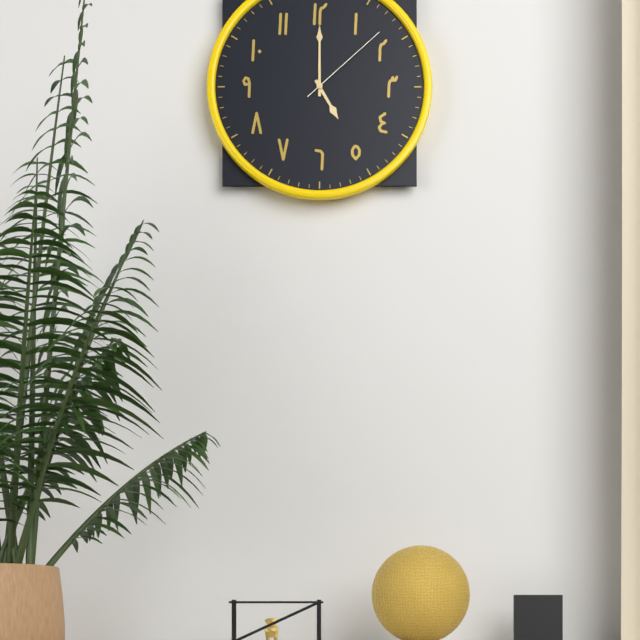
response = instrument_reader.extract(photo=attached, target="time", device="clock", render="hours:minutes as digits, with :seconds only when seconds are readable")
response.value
5:00:08
